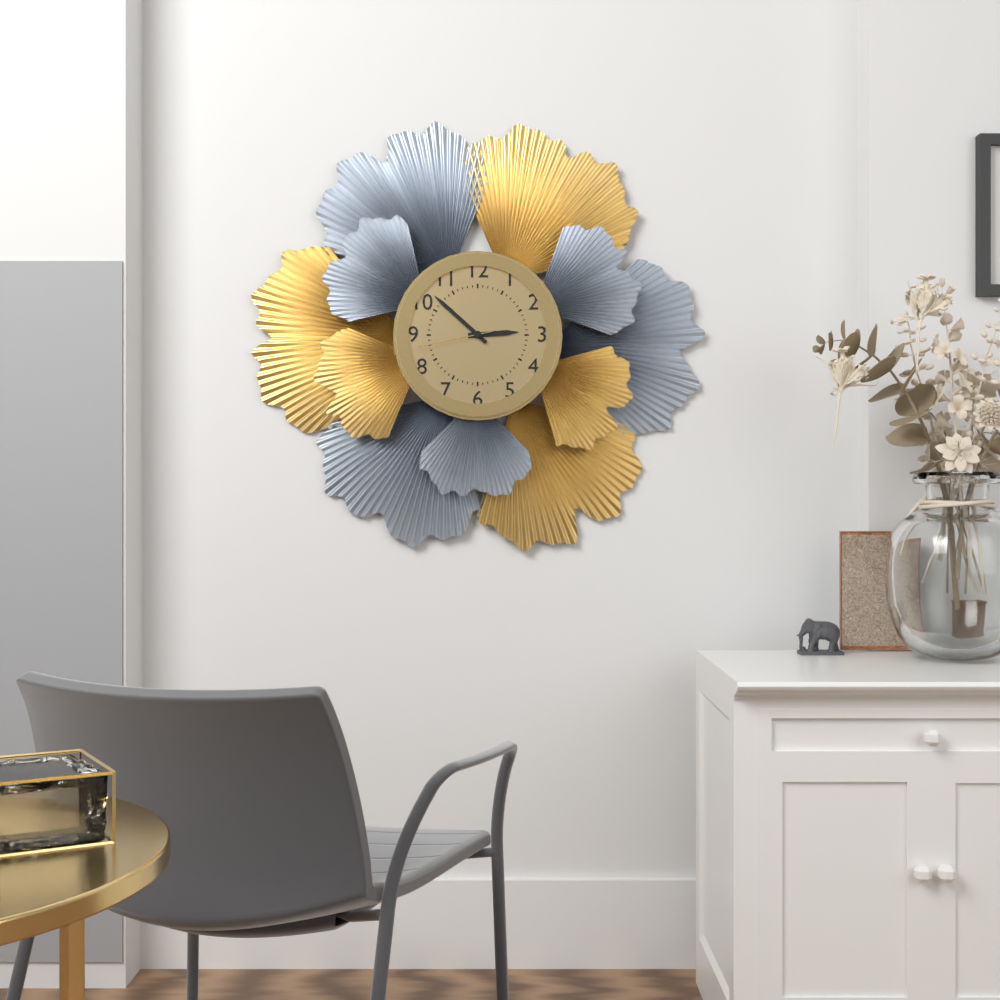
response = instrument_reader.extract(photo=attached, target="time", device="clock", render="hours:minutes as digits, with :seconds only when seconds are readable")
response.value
2:52:43
